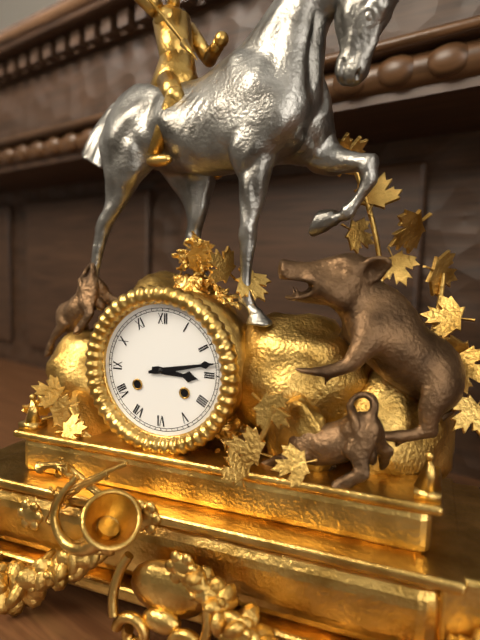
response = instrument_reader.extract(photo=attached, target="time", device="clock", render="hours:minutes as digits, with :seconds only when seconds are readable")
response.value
3:13
